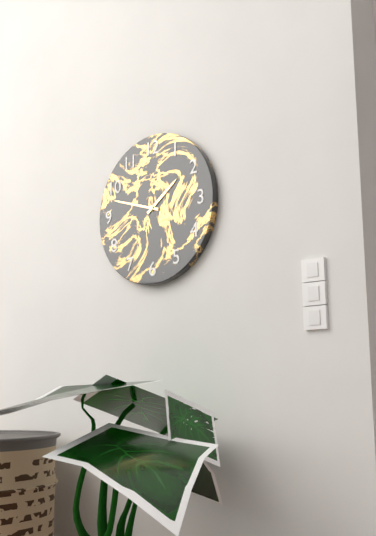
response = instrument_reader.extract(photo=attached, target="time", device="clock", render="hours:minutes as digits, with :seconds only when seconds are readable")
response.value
1:48
